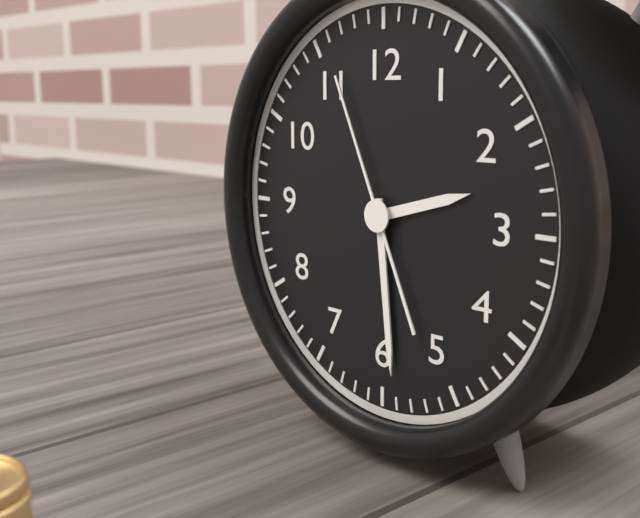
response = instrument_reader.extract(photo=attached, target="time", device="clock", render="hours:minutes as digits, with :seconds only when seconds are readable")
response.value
2:29:56
